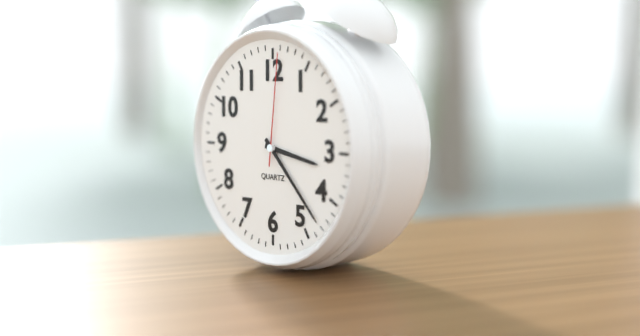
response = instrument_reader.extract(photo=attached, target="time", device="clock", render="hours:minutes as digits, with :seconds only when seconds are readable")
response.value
3:23:01
